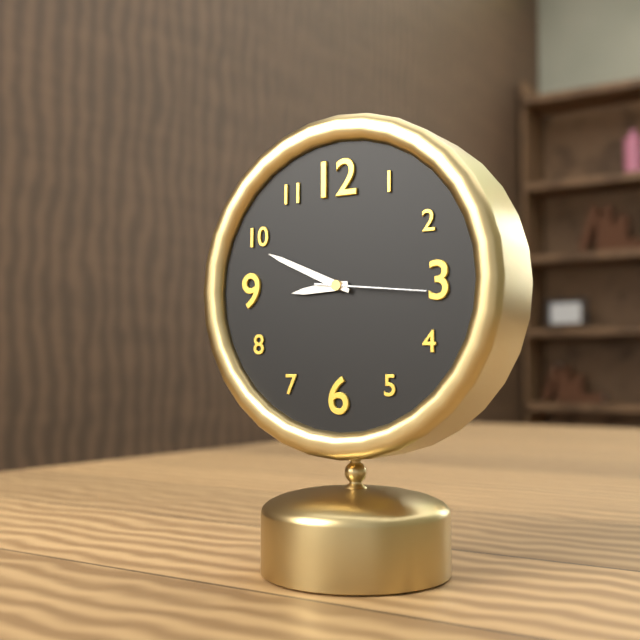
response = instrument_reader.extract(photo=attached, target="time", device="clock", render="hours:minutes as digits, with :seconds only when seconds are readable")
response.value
8:49:16
